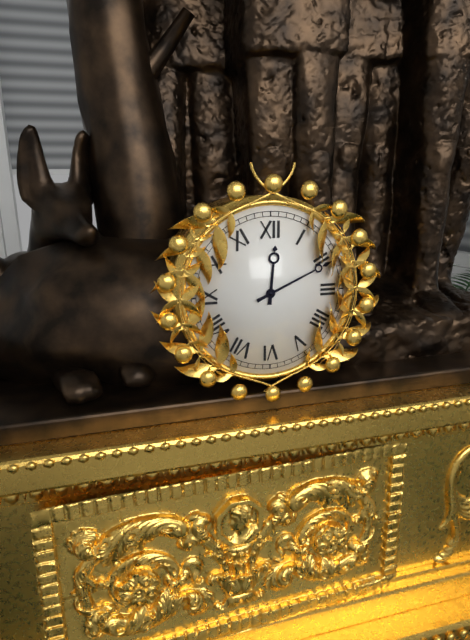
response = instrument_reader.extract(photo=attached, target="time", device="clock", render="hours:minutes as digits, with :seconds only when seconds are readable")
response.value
12:11
